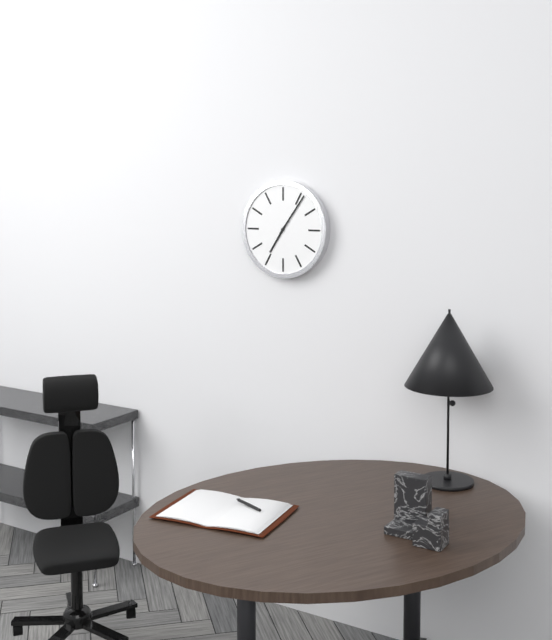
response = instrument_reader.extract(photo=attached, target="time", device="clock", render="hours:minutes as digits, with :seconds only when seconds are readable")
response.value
7:06
